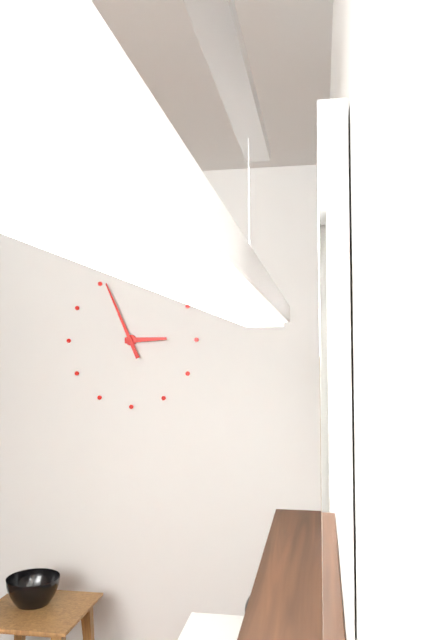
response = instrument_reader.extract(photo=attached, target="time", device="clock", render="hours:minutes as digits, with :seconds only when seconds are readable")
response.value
2:56
